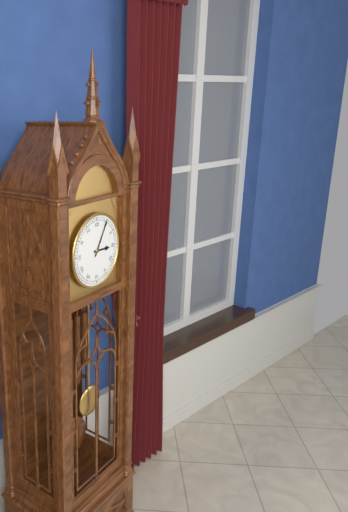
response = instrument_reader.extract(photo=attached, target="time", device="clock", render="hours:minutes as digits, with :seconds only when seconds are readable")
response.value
3:05
